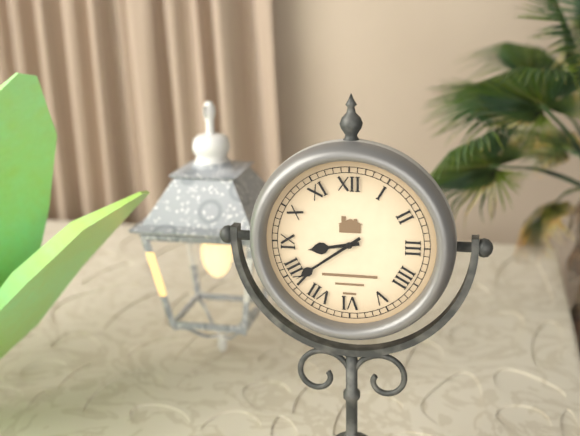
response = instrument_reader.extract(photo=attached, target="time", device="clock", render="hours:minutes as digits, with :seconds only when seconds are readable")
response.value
8:39
